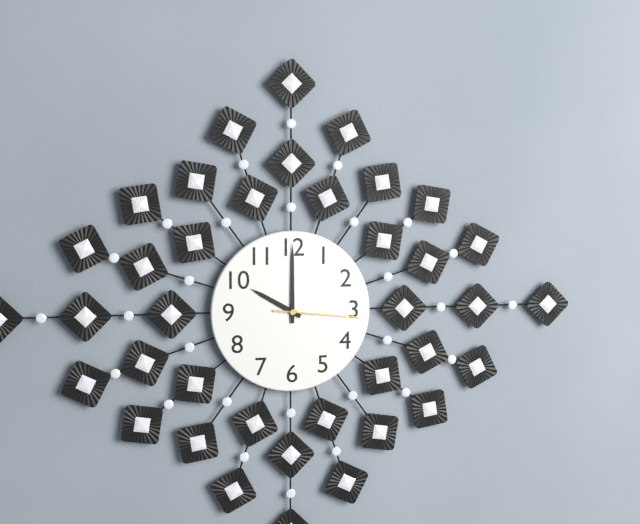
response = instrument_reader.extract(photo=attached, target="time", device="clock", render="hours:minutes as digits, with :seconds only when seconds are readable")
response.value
10:00:16
